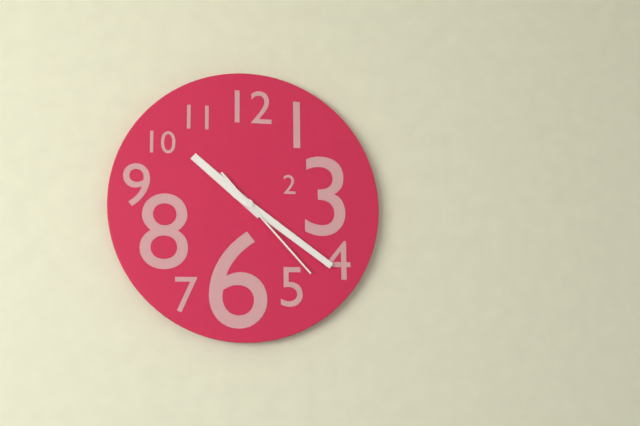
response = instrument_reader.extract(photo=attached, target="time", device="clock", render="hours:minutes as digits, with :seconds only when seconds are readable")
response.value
10:21:23
